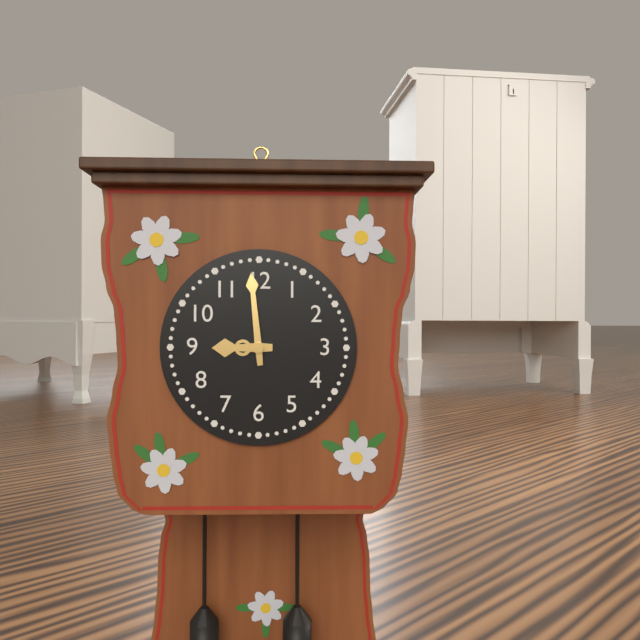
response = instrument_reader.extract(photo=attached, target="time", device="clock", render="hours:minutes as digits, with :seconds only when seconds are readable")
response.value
8:59
